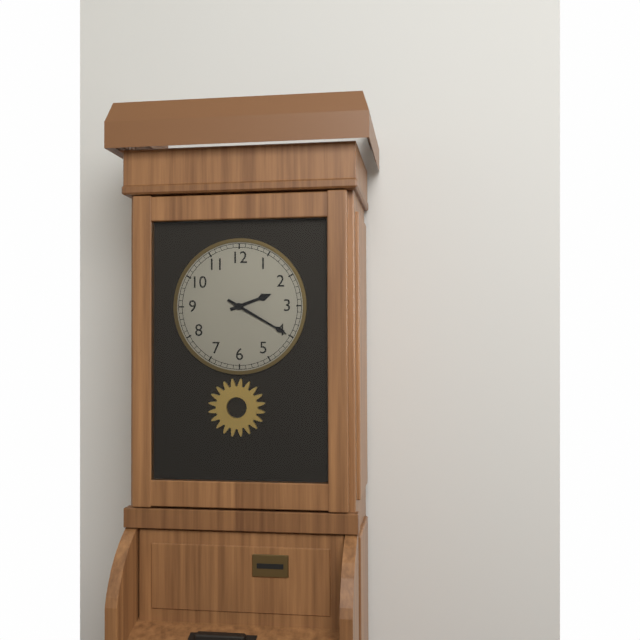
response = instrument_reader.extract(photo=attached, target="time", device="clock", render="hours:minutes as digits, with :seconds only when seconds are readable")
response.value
2:20
